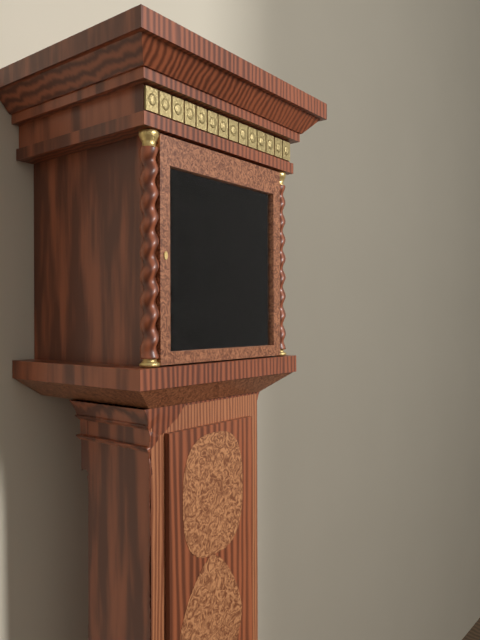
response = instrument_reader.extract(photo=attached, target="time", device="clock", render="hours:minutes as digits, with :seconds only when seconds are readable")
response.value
8:24
